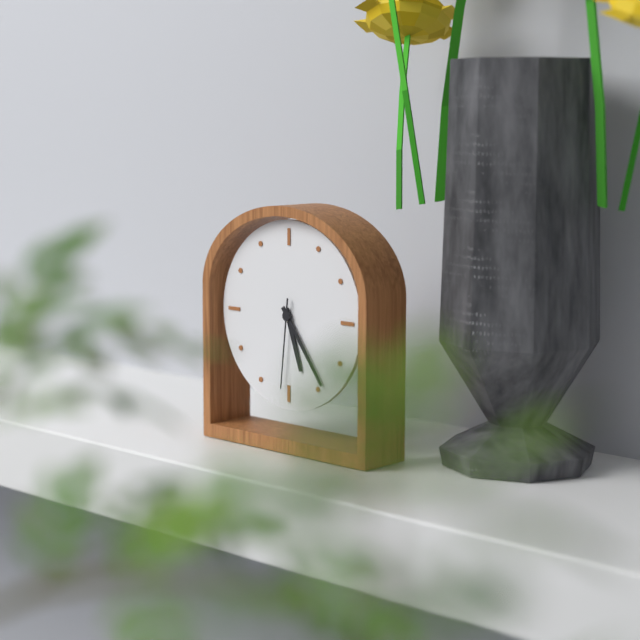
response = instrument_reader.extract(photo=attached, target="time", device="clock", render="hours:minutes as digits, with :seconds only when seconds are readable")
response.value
5:24:31
